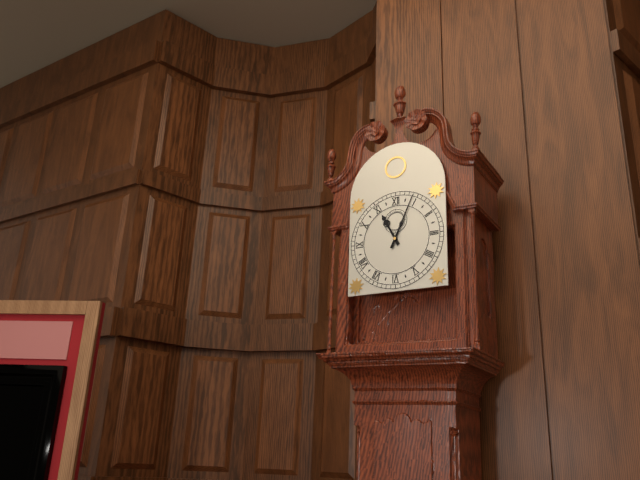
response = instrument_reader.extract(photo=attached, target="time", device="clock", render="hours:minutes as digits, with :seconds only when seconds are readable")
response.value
11:04
